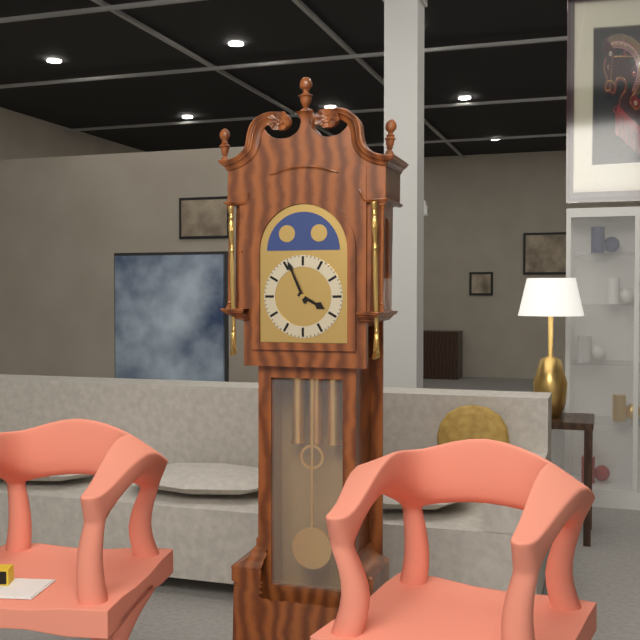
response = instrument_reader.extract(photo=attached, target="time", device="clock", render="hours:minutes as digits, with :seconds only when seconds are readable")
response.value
3:56
